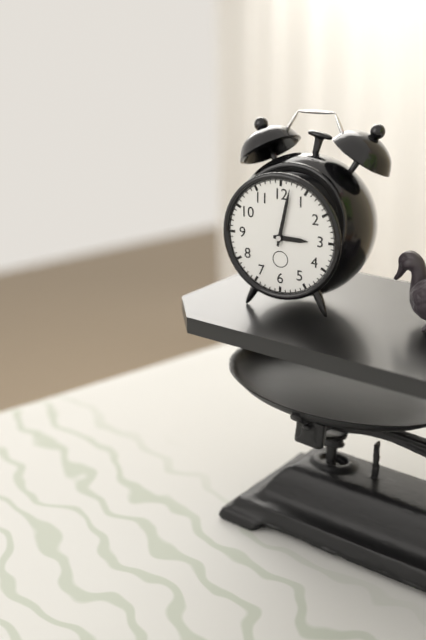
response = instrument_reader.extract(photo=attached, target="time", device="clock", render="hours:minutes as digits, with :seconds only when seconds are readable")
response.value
3:02
